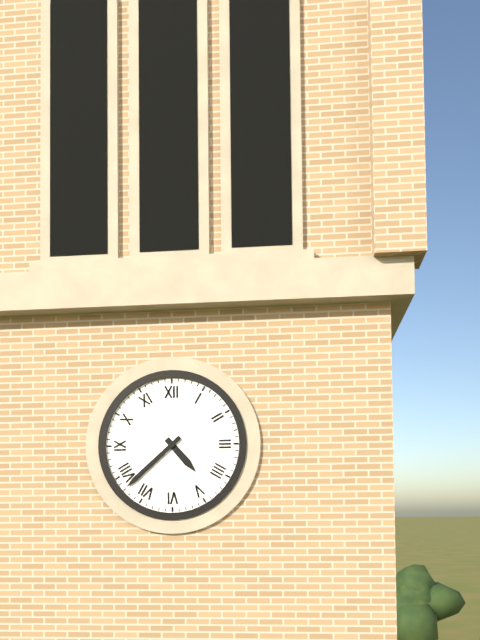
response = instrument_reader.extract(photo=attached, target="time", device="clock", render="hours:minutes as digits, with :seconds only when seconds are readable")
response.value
4:38
